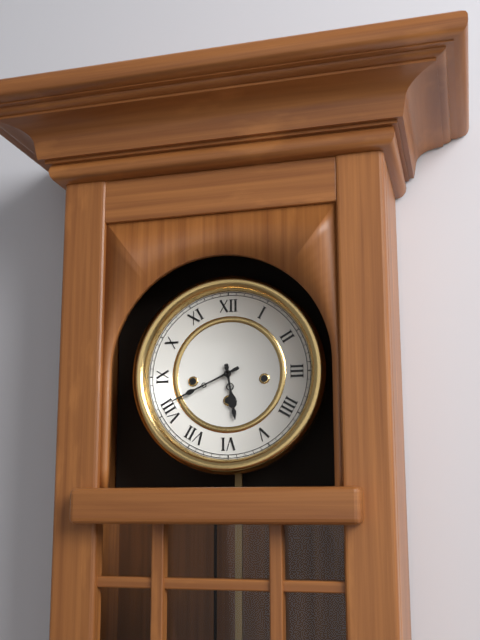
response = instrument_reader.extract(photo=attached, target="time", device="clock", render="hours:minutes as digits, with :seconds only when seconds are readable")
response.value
5:41
